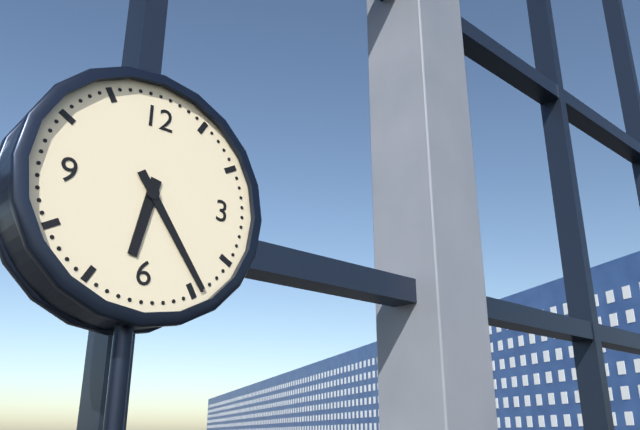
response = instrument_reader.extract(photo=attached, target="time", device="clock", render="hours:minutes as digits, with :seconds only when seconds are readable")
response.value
6:24
